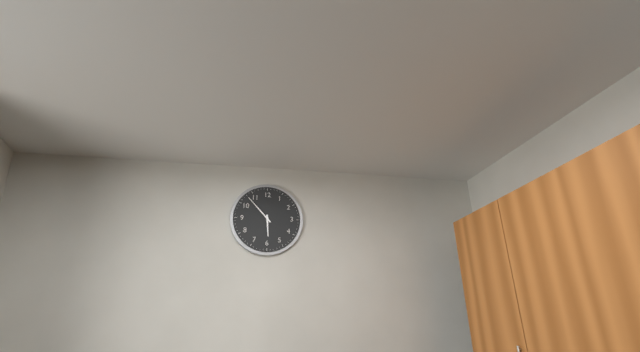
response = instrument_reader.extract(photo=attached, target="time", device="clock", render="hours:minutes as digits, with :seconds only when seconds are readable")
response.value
5:53
